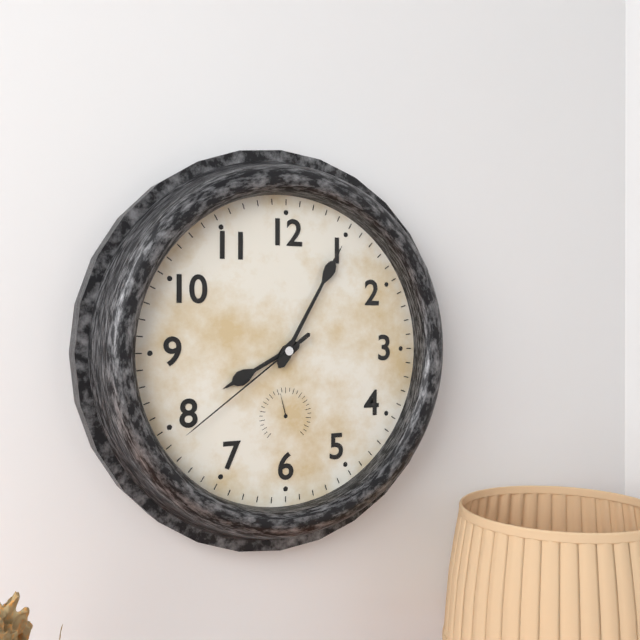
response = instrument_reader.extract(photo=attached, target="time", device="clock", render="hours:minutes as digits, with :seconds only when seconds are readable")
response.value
8:05:39
